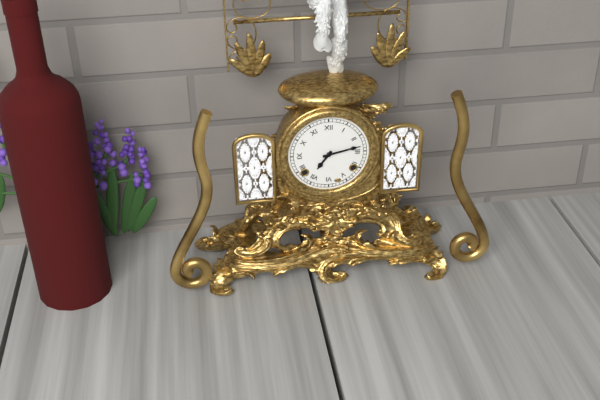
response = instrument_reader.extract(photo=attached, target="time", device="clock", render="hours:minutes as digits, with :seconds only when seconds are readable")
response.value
7:13
